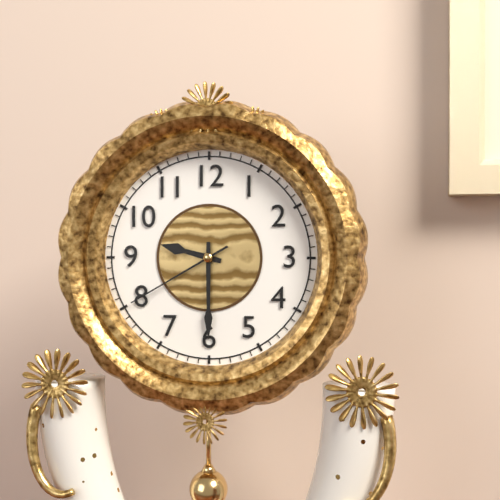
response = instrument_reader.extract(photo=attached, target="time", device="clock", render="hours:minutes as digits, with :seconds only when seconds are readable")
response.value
9:30:40
